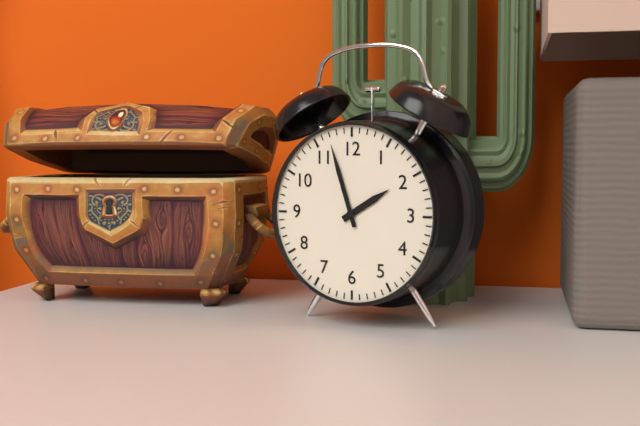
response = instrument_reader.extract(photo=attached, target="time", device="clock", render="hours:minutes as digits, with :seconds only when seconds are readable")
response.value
1:57
